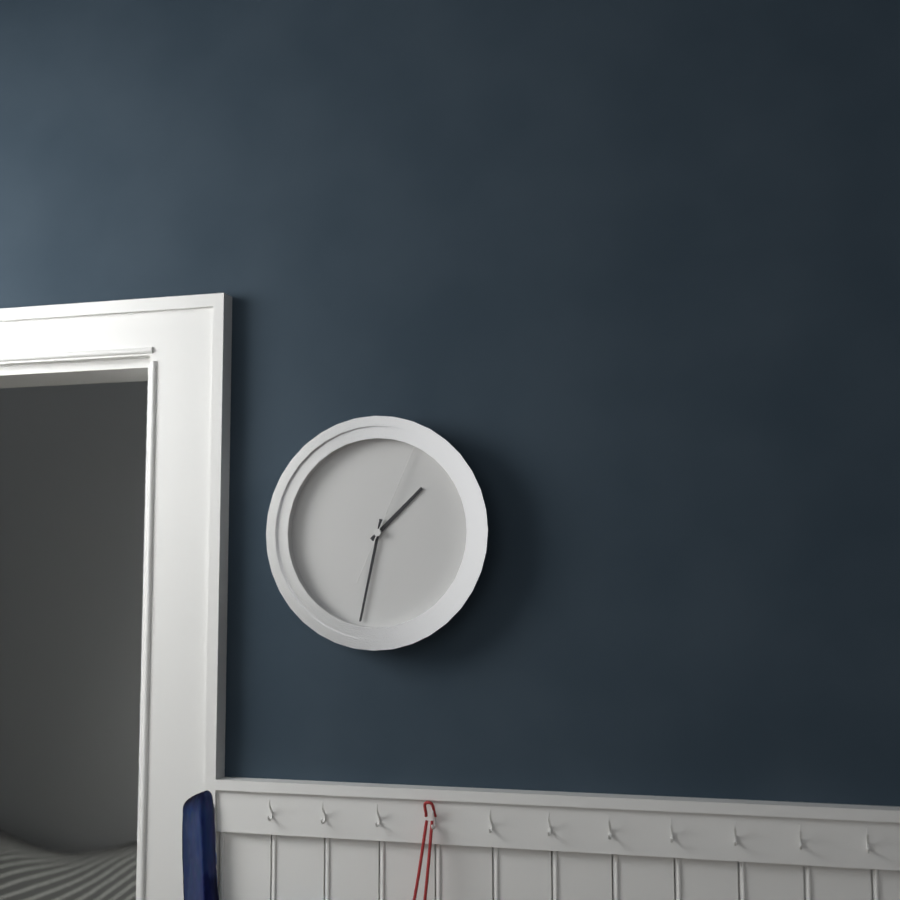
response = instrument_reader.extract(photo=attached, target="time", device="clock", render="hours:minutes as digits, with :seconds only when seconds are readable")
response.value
1:32:04
